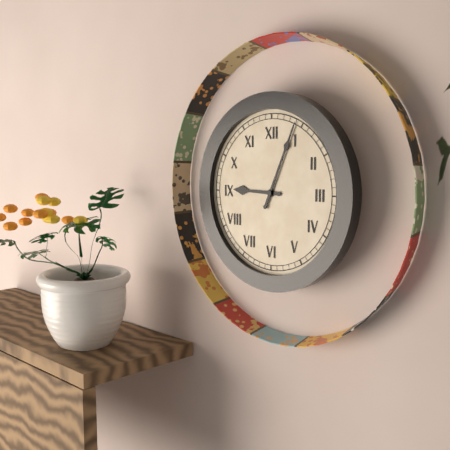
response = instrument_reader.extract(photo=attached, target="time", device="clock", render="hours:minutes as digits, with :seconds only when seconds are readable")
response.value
9:04
